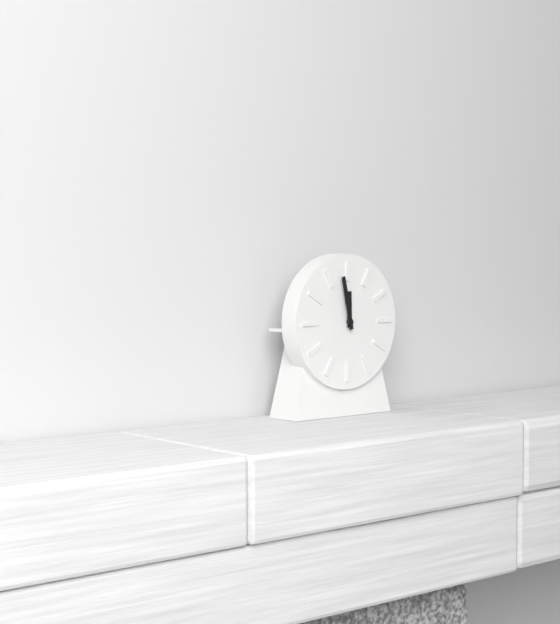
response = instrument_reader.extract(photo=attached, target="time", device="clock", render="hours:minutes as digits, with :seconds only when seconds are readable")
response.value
11:58
